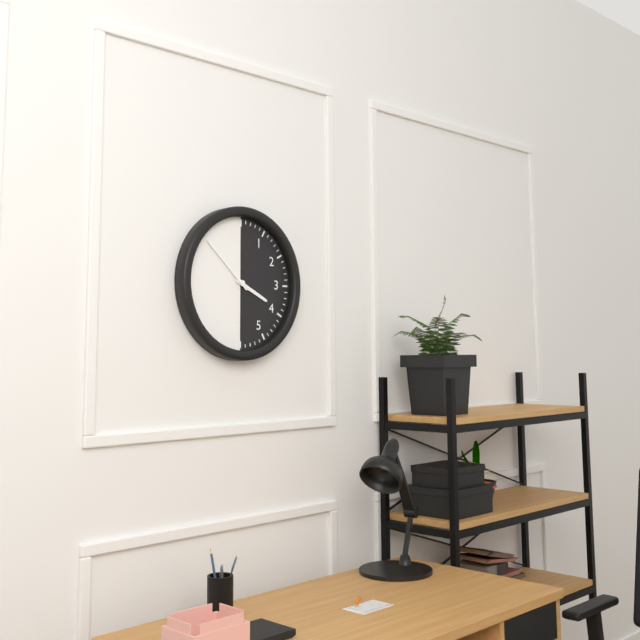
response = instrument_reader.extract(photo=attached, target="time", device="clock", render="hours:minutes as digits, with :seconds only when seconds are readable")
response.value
3:52
